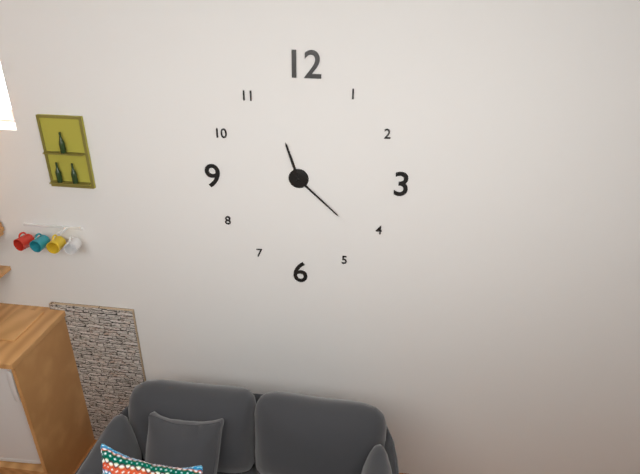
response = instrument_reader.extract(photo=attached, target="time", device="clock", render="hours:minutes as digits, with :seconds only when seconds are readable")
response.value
11:22
